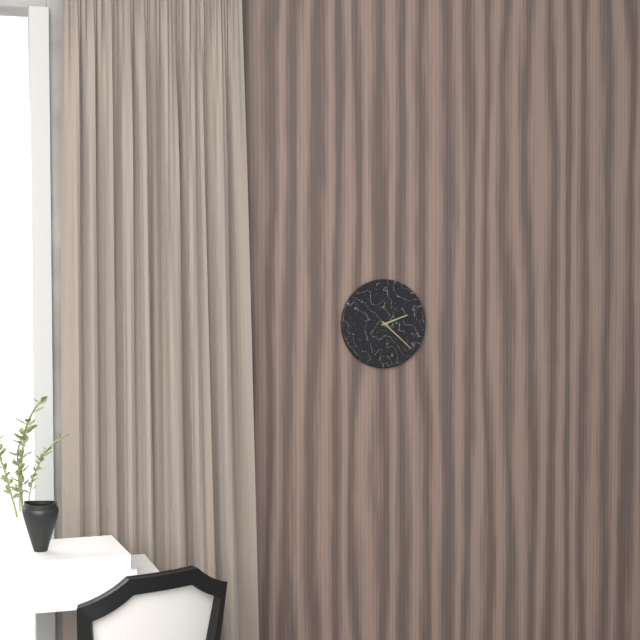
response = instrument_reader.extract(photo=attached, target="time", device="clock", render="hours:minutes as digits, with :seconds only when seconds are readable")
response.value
2:22
